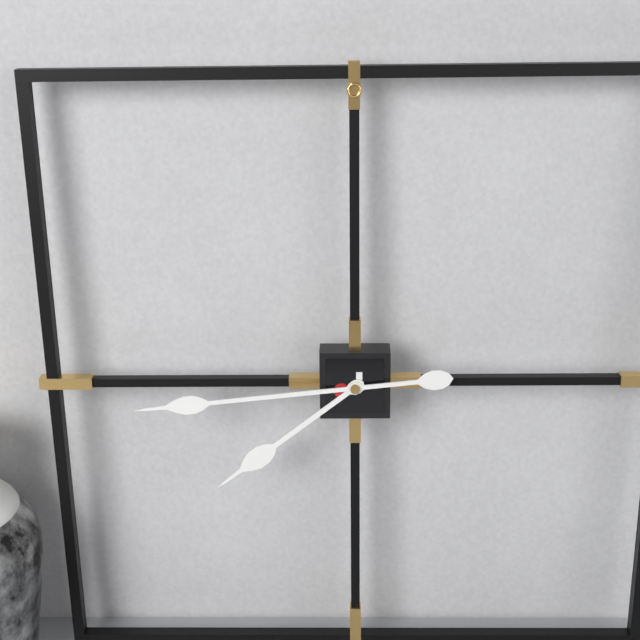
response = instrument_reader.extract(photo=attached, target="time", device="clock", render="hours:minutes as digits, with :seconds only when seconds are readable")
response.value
7:44
